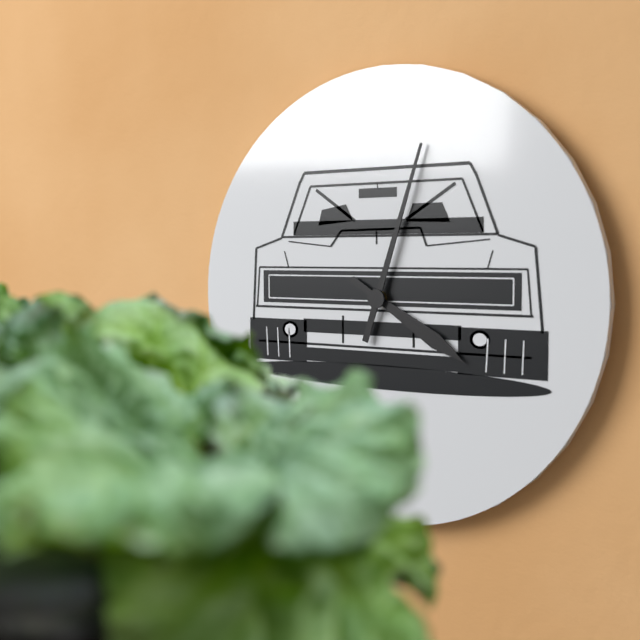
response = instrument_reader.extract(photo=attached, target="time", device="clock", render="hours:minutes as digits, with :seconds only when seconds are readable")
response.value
4:03
